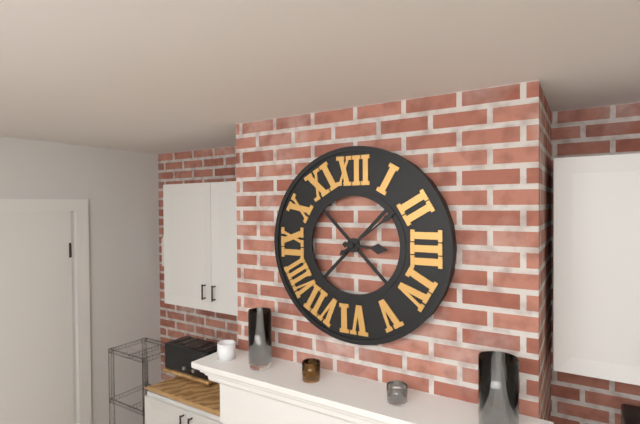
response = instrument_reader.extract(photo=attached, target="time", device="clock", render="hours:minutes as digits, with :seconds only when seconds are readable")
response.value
3:09
